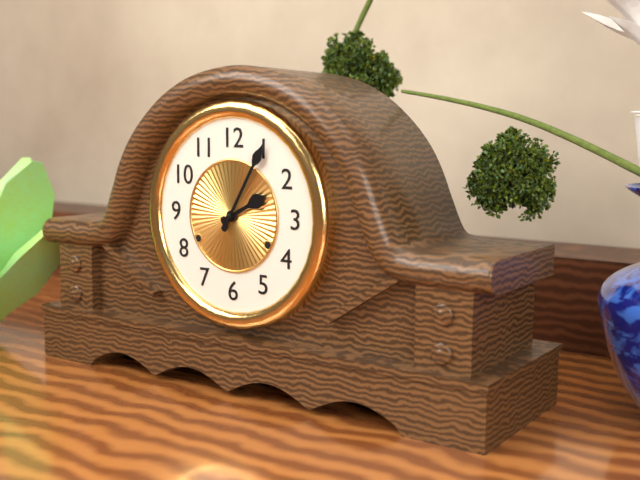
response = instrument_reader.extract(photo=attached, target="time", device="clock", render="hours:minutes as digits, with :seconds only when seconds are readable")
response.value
2:05
